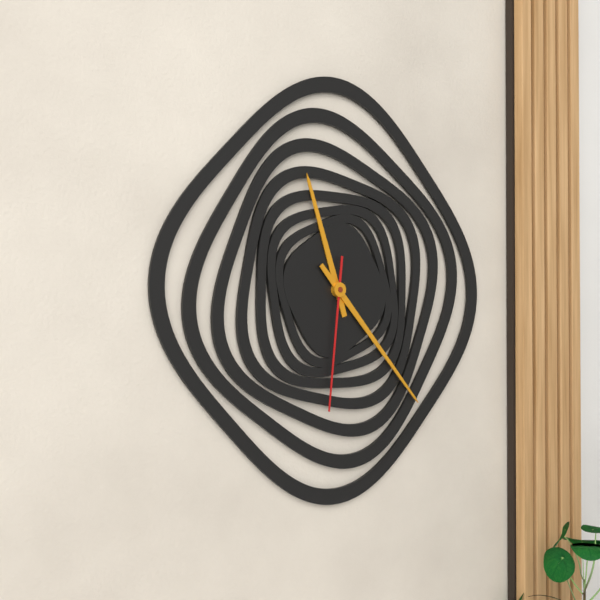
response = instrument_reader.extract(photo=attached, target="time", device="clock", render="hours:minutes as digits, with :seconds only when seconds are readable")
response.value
11:23:31
